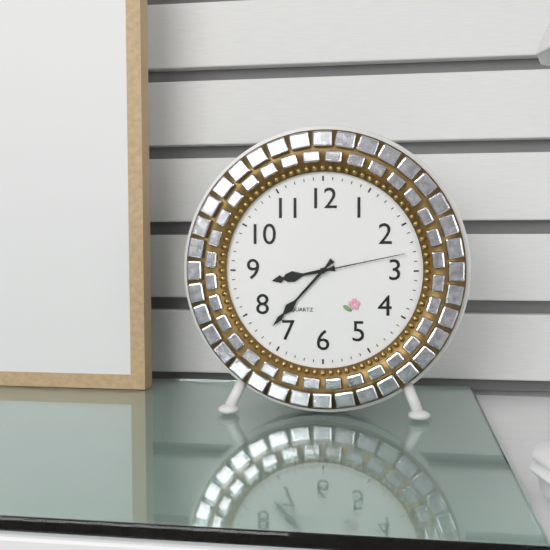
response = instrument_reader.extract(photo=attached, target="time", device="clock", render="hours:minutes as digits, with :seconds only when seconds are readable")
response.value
8:37:13
